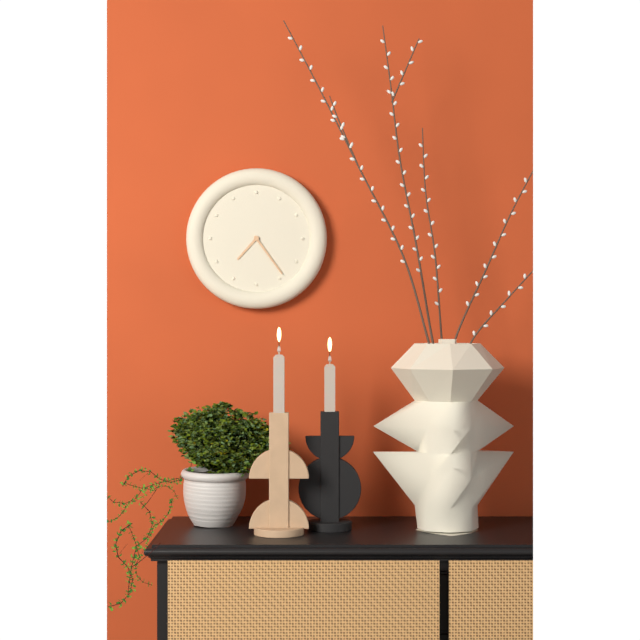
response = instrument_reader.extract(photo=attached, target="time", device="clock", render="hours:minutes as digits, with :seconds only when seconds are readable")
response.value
7:24
